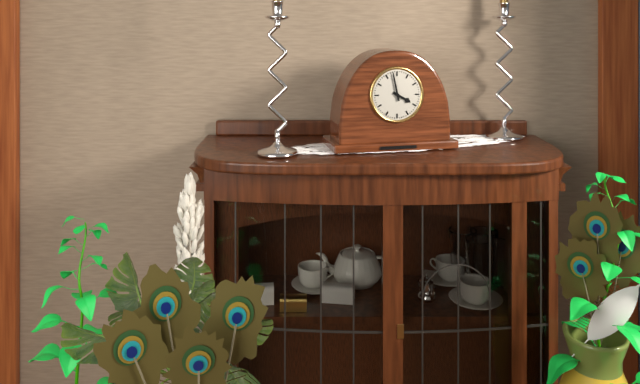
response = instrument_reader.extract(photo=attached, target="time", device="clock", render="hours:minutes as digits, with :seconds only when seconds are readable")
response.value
3:58
